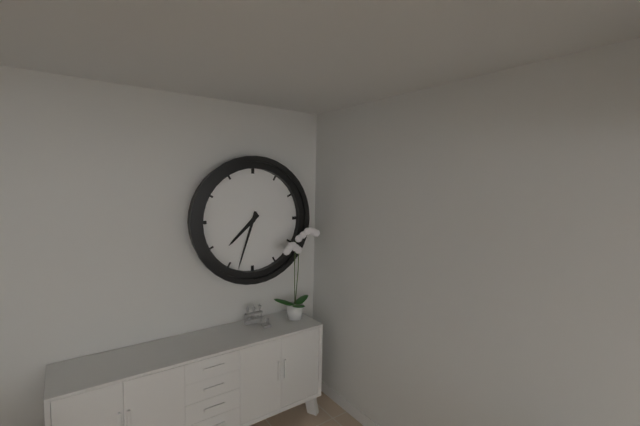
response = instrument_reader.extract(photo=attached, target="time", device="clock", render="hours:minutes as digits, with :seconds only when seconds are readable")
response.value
7:33
